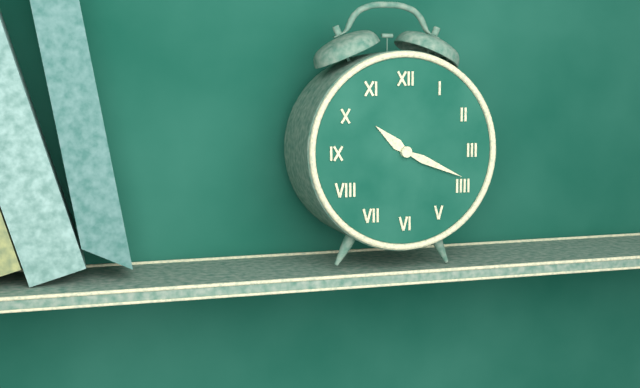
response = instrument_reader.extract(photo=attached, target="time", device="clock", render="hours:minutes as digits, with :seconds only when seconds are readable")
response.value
10:19
